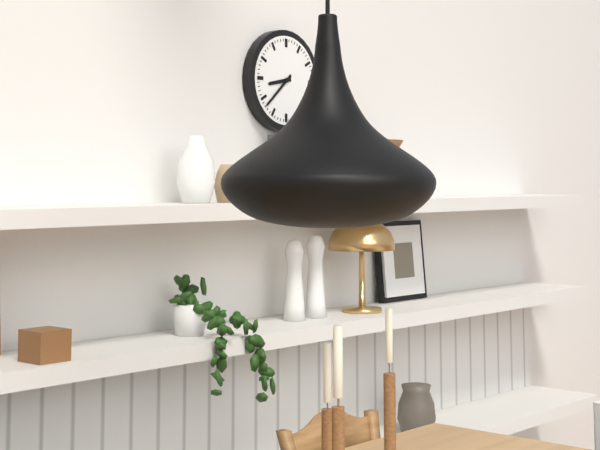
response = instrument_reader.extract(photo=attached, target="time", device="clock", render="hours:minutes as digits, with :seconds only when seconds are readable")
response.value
8:38
